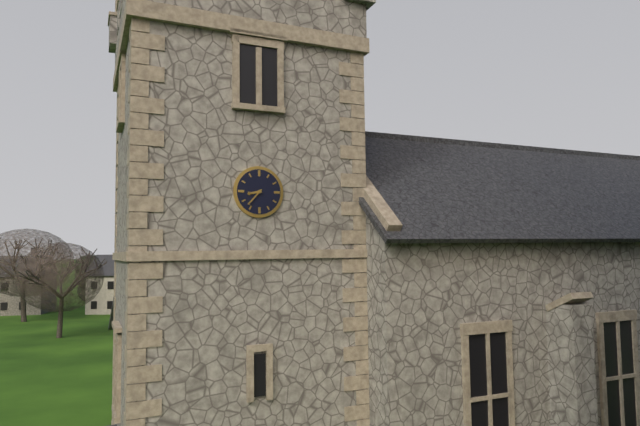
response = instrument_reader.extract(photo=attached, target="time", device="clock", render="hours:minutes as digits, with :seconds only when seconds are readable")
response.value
8:37
